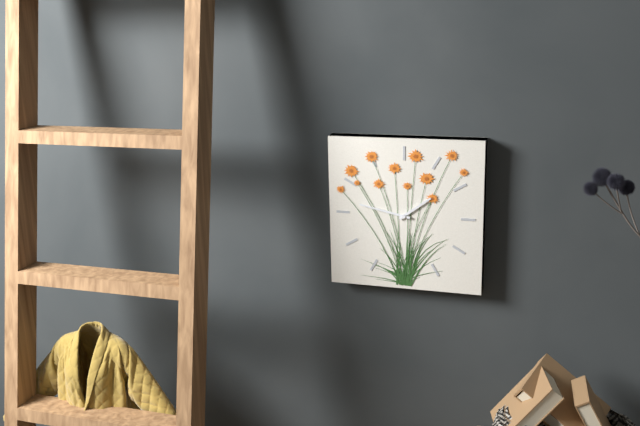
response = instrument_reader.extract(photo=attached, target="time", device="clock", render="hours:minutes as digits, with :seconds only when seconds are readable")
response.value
1:47
